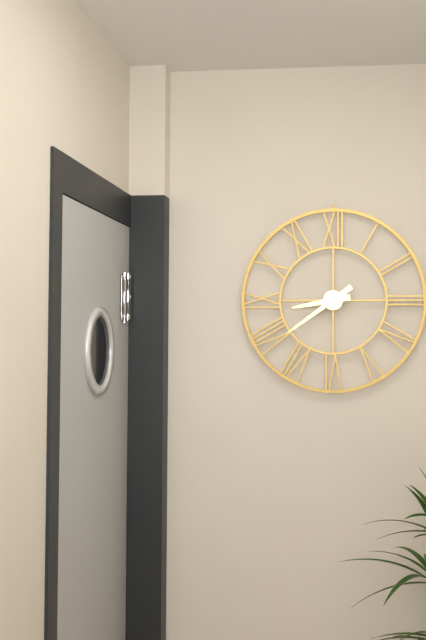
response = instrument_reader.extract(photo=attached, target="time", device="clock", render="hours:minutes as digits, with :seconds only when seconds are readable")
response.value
8:39
